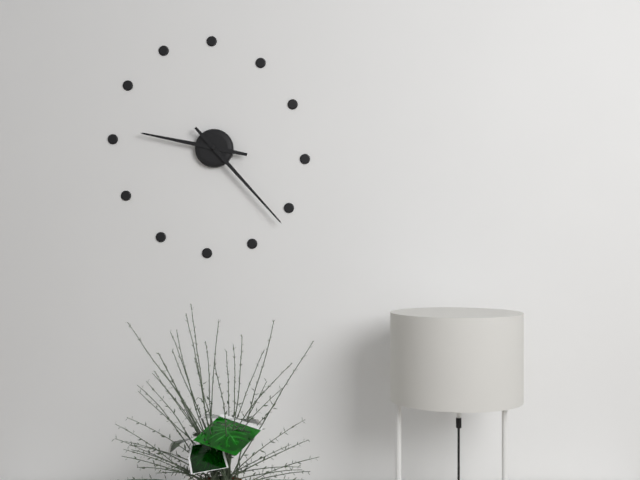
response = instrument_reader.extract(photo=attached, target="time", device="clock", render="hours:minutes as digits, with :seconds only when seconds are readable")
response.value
9:23
